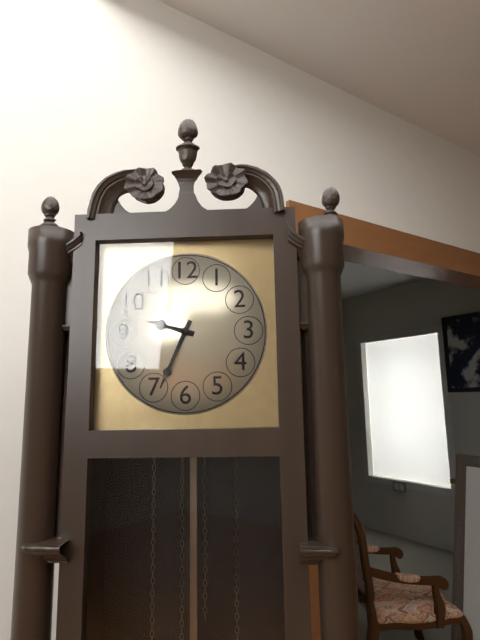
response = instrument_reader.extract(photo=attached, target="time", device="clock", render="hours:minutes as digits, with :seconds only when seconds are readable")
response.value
9:34
